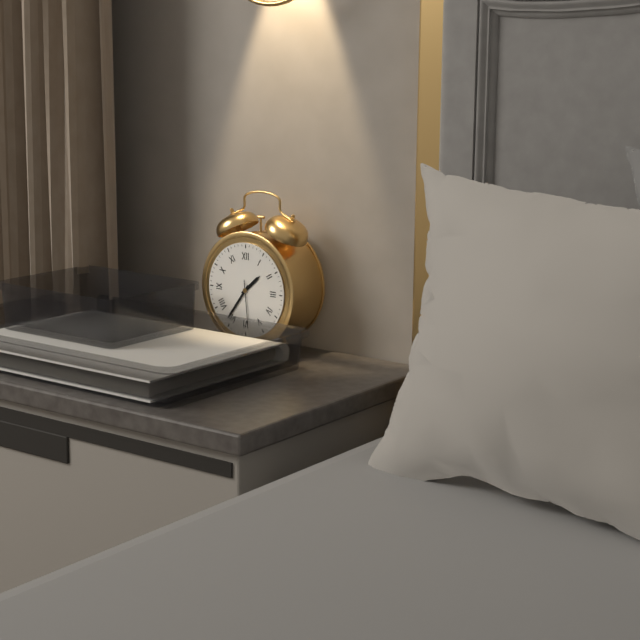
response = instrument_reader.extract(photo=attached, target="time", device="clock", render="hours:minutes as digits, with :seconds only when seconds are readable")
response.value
1:36
